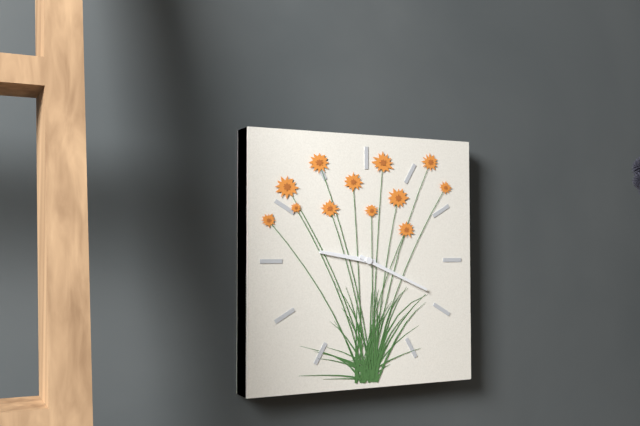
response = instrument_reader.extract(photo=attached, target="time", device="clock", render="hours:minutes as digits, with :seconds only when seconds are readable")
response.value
9:19
